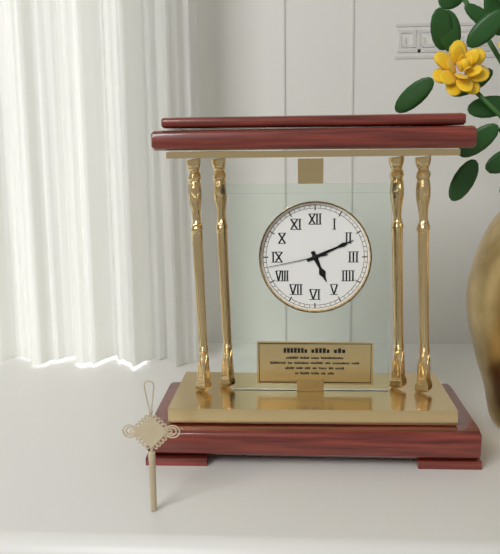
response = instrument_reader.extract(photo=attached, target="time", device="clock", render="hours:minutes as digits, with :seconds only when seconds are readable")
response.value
5:11:43
